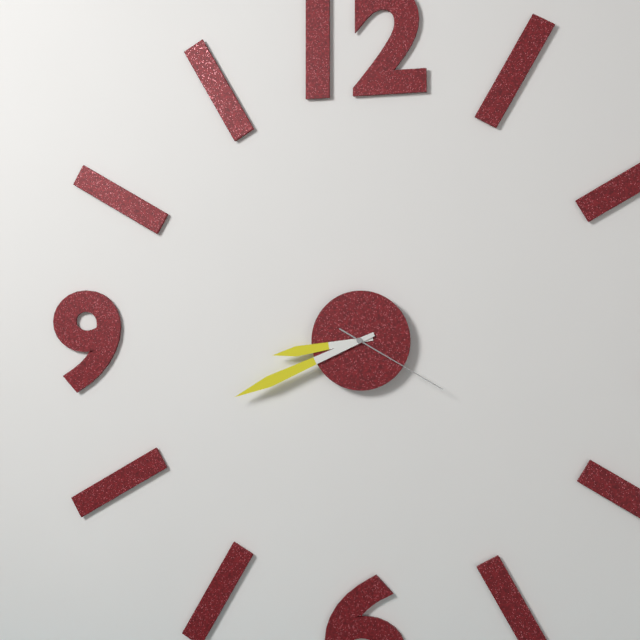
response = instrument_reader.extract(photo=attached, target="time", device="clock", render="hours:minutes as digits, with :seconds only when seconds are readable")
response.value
8:41:20
